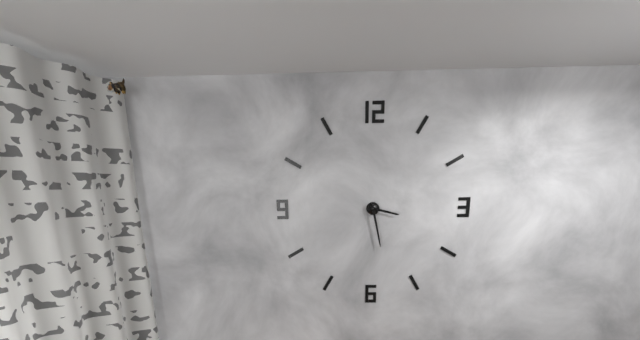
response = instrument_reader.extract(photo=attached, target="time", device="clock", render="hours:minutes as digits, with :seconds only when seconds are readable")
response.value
3:28
